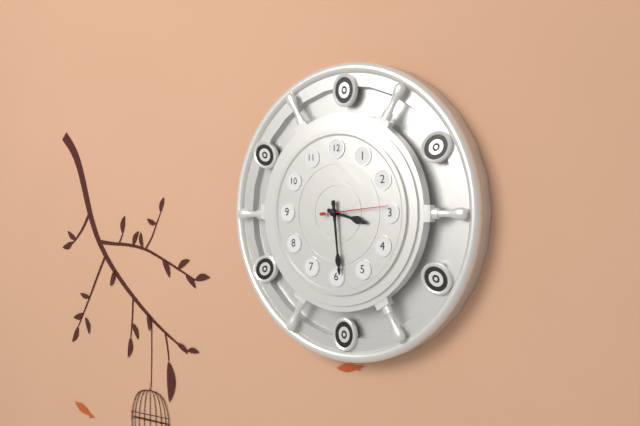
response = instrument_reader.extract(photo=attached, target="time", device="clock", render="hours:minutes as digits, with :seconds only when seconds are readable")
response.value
3:29:14
